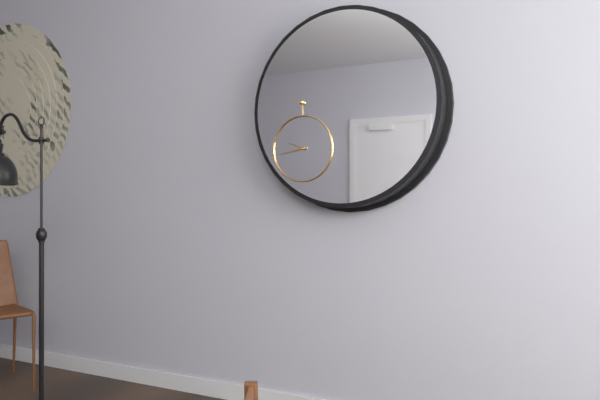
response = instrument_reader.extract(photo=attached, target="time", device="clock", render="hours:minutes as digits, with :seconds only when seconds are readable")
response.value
9:43
